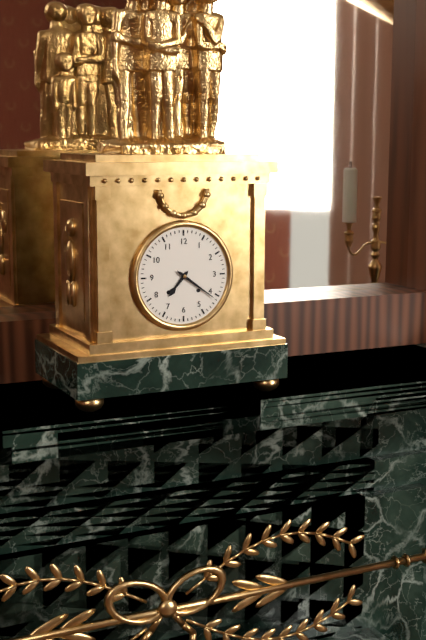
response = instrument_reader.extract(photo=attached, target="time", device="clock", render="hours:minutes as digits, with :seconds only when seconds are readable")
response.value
7:21
